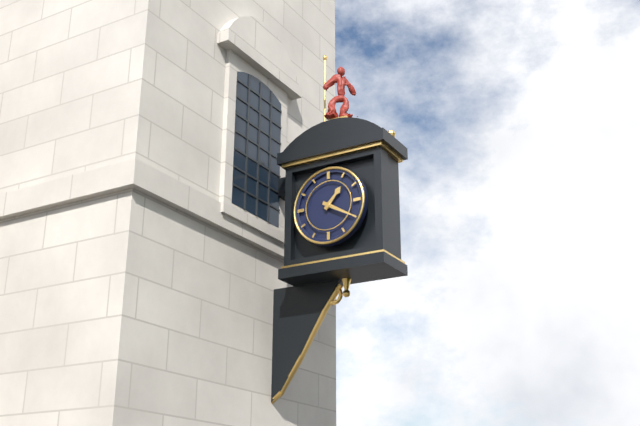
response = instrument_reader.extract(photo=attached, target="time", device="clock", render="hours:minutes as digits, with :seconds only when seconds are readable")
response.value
1:20
